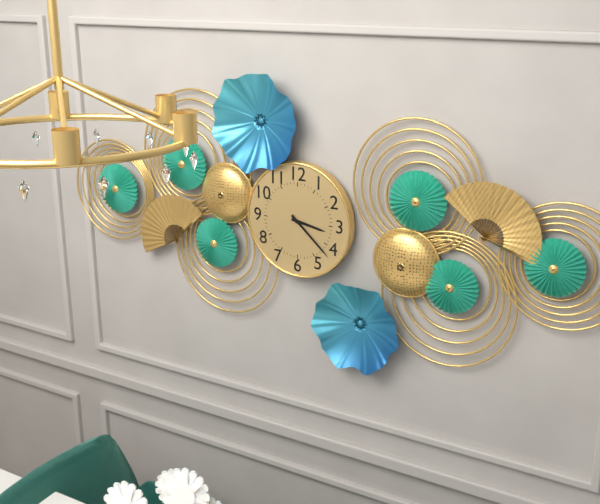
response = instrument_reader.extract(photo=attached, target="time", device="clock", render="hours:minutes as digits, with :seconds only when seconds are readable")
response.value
3:22
